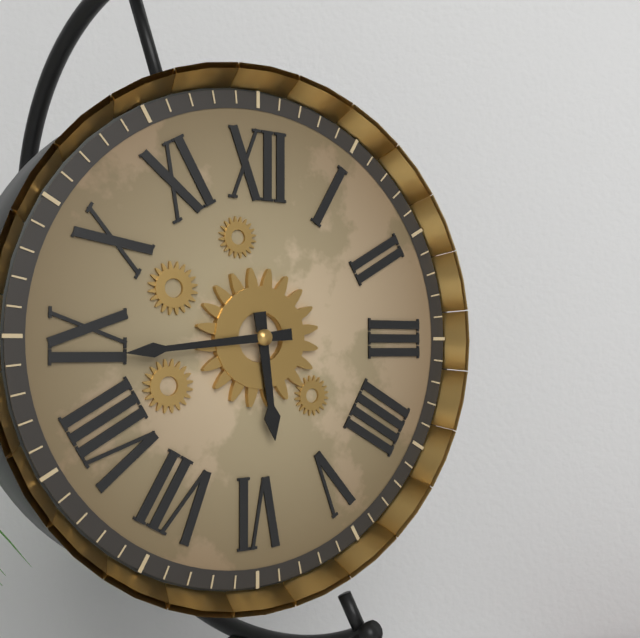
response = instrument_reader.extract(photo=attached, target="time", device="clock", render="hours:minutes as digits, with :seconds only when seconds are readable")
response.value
5:44
